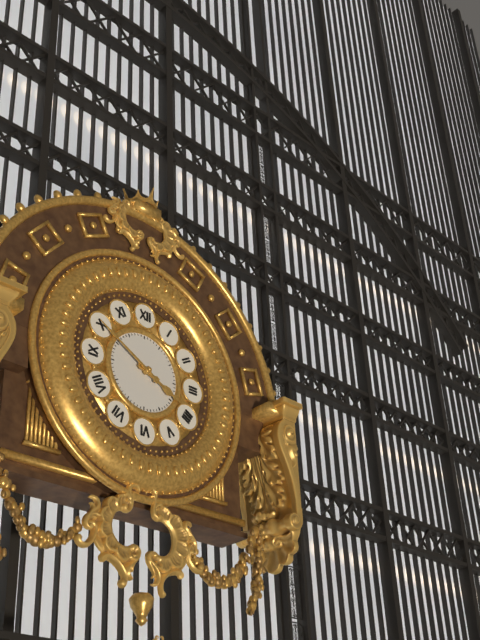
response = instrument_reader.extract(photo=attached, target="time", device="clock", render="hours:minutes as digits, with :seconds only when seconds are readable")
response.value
3:50
